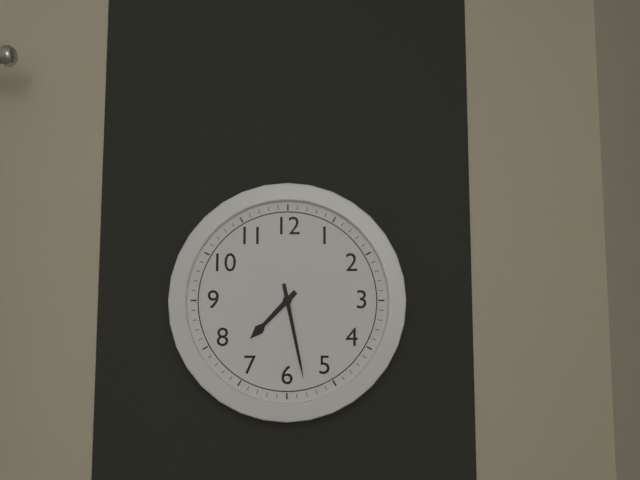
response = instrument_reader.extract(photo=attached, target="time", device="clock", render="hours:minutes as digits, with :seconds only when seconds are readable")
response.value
7:28
